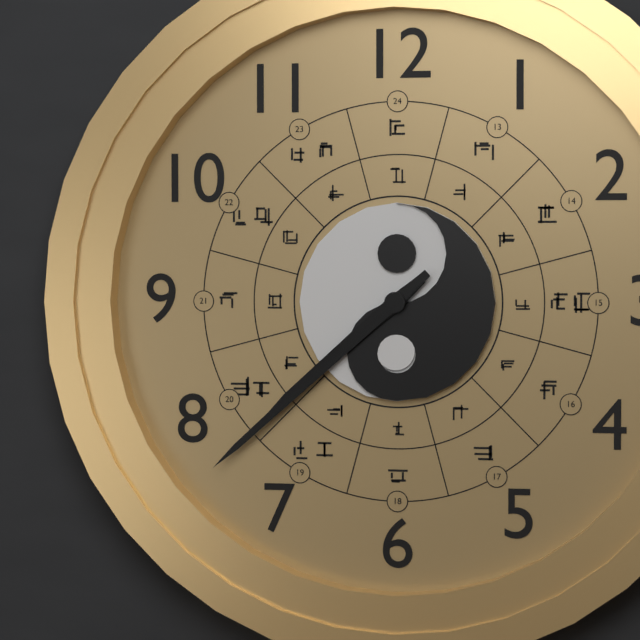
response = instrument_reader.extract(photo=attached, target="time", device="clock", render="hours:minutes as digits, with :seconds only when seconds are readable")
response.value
7:38
